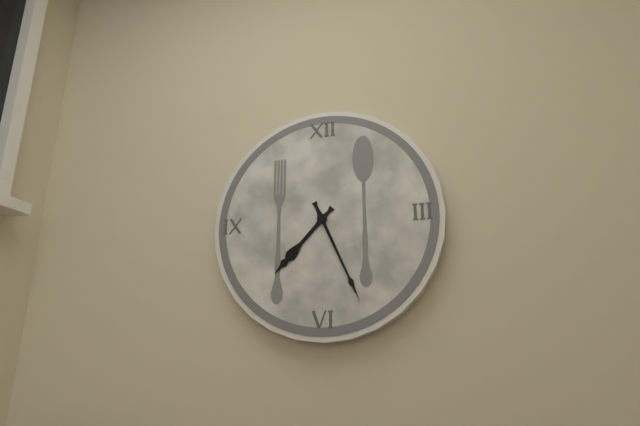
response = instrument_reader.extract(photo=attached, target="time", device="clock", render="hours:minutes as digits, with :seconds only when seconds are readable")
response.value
7:26
